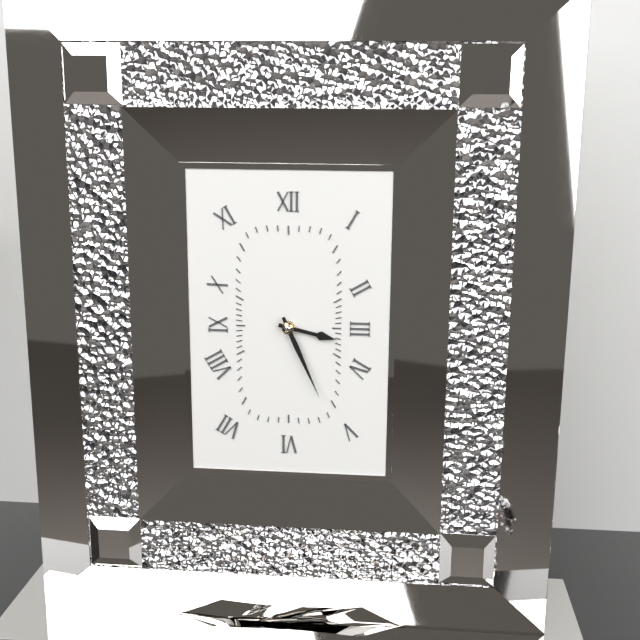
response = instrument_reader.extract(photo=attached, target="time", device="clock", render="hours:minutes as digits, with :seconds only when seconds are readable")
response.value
3:26
